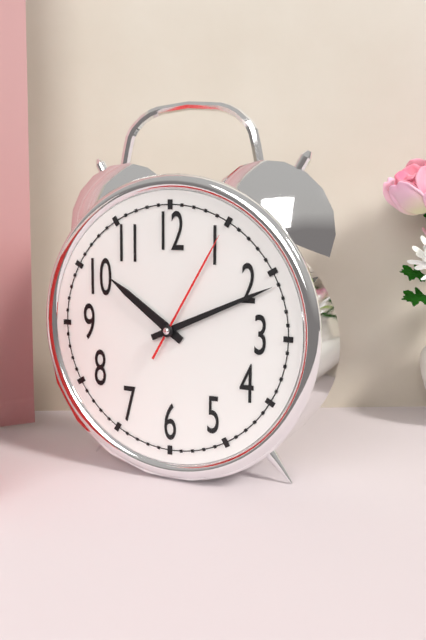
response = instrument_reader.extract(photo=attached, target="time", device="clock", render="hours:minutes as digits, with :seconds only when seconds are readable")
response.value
10:11:05
